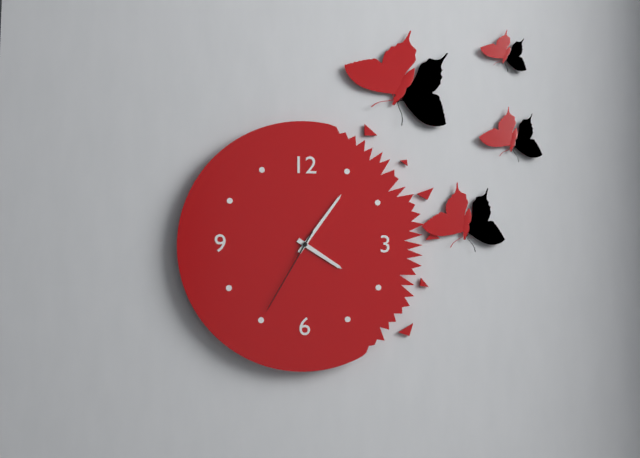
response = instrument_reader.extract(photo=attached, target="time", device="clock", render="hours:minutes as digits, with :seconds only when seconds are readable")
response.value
4:06:35
